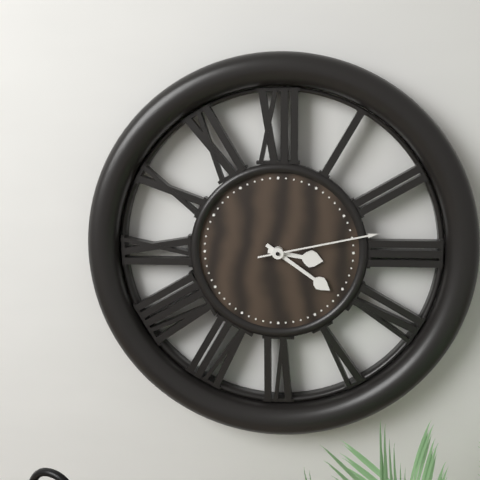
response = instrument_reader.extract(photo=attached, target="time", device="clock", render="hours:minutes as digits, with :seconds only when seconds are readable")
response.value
3:21:13
